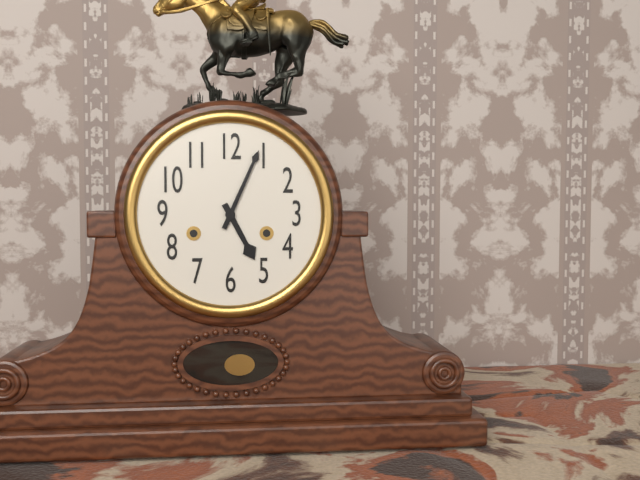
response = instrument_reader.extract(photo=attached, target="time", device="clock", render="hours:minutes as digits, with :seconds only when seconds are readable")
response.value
5:04
